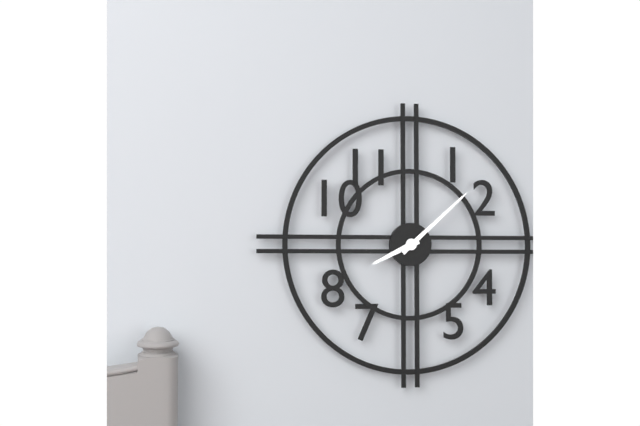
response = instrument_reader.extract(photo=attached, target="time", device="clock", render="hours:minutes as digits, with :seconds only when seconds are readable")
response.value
8:08
